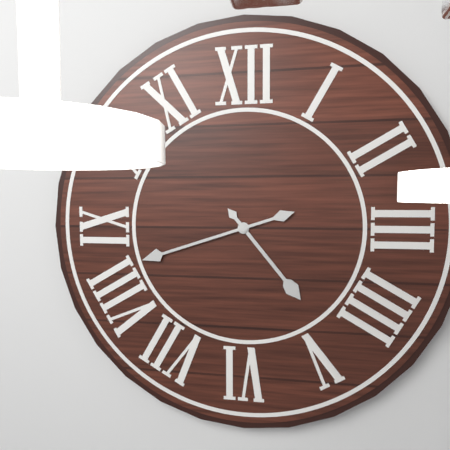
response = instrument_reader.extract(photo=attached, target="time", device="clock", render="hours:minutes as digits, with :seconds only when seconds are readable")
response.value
4:42
